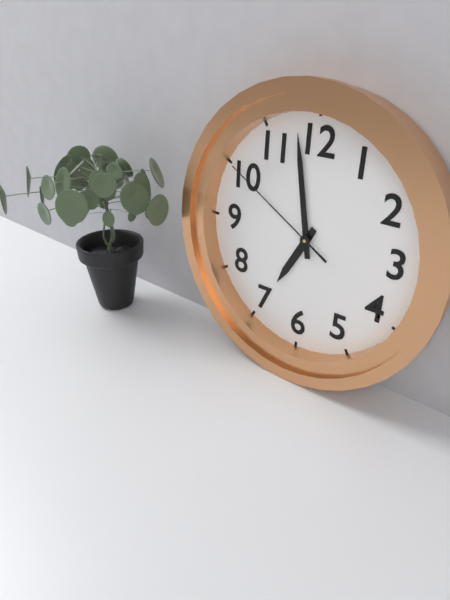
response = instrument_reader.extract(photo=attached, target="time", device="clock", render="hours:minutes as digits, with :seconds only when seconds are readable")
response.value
6:58:50
